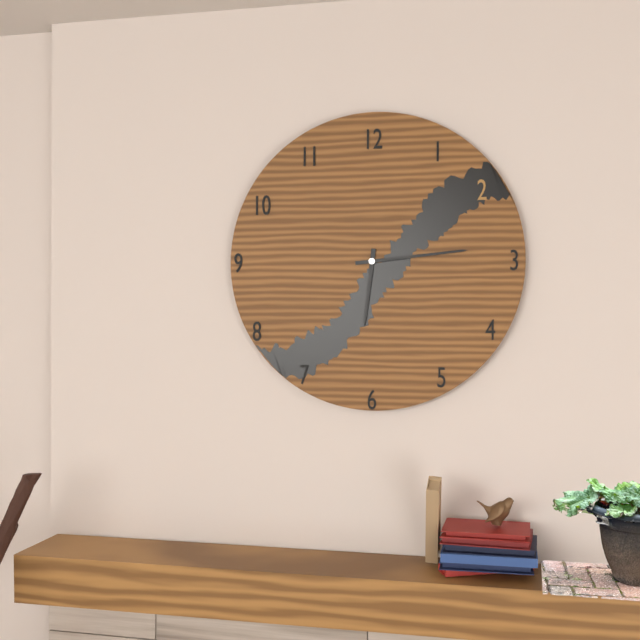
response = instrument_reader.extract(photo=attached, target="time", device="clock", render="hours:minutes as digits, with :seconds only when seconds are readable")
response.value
6:14
